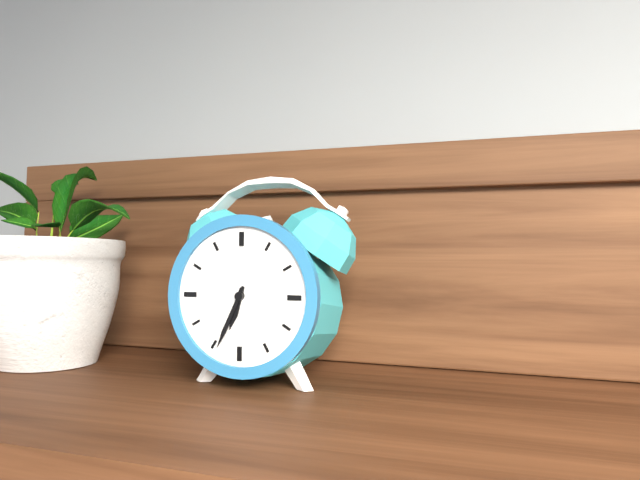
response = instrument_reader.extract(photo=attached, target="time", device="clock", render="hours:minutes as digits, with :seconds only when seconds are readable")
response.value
6:34
